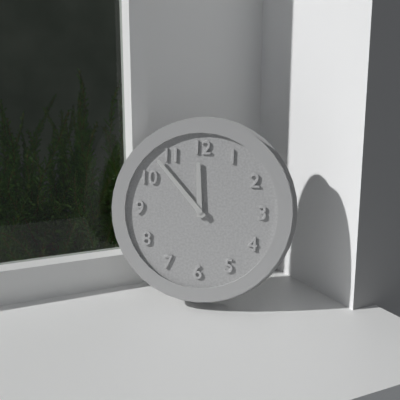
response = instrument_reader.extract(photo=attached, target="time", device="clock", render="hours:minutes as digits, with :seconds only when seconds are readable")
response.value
11:53
